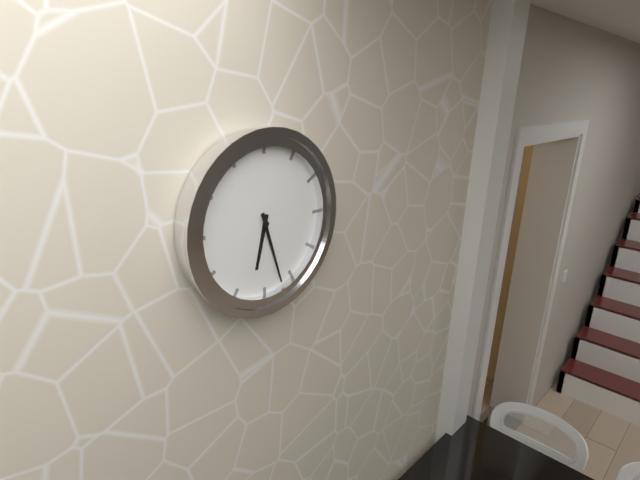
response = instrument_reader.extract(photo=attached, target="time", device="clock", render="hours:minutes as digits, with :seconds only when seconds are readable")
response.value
6:27
